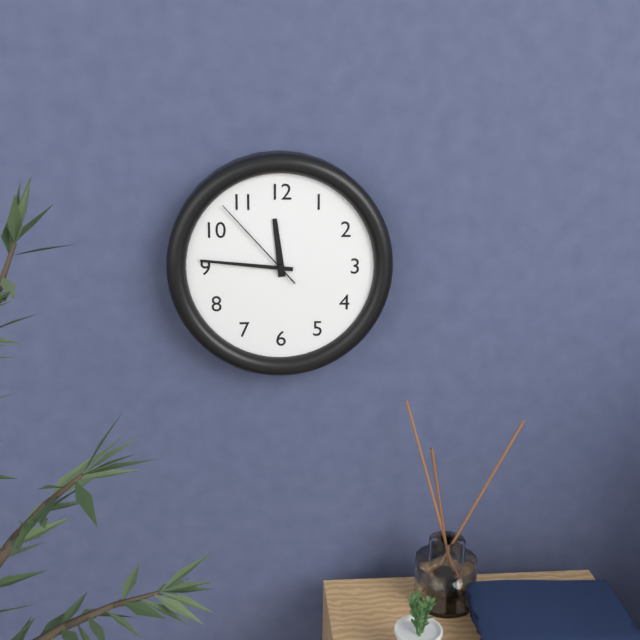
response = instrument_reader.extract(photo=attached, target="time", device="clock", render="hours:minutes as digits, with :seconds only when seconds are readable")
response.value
11:46:53
